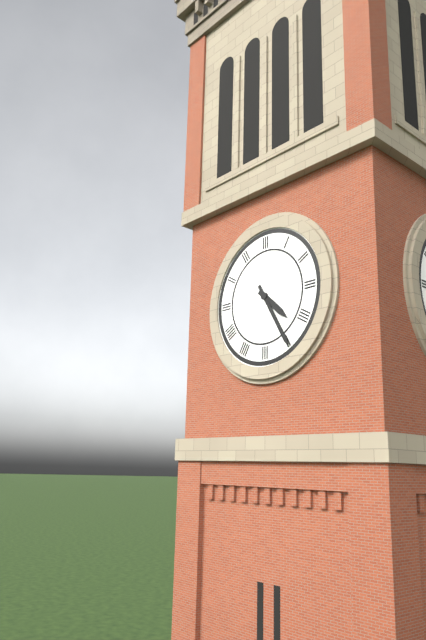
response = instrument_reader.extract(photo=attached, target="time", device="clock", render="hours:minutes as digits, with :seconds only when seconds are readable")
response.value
4:25
